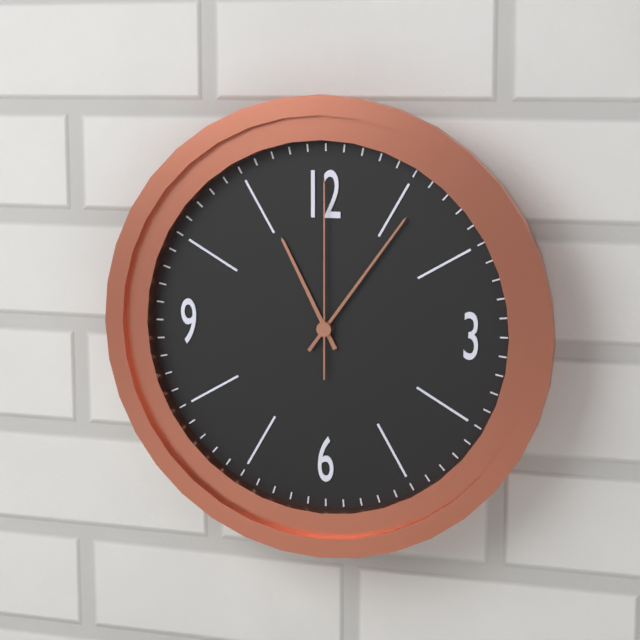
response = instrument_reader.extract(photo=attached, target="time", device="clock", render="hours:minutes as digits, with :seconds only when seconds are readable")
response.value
11:06:00
